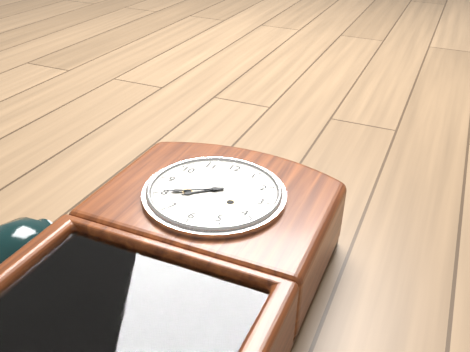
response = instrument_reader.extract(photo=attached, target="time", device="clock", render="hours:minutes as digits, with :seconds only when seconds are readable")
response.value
7:40
